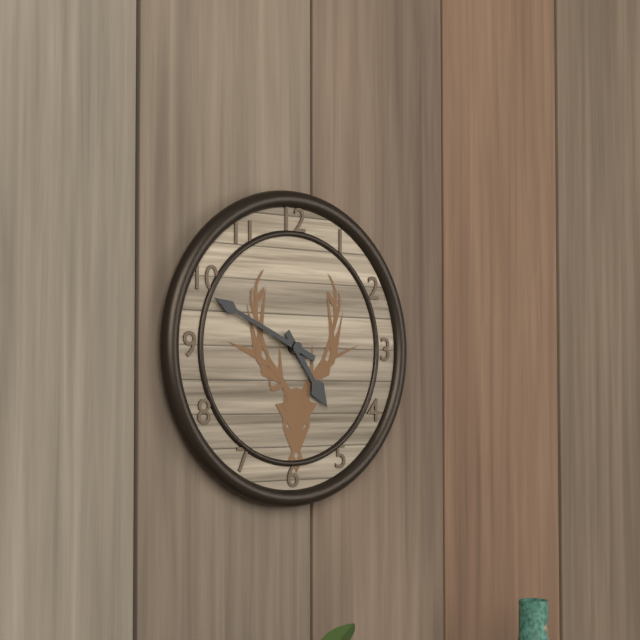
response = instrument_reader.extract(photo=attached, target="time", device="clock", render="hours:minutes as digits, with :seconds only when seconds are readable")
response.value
4:49
